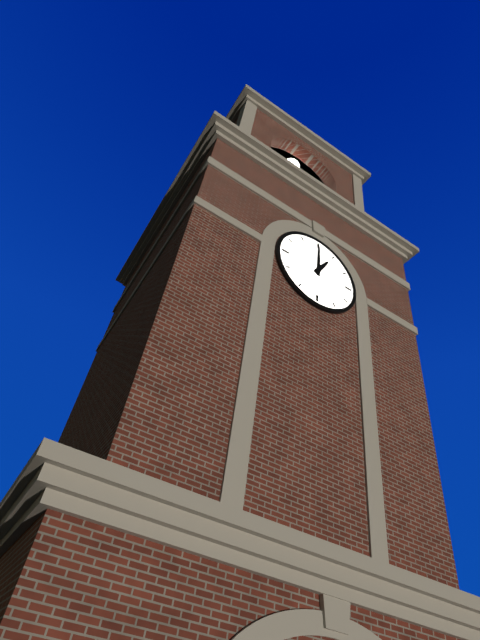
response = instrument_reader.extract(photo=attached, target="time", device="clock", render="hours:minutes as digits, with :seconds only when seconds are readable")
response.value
1:00
